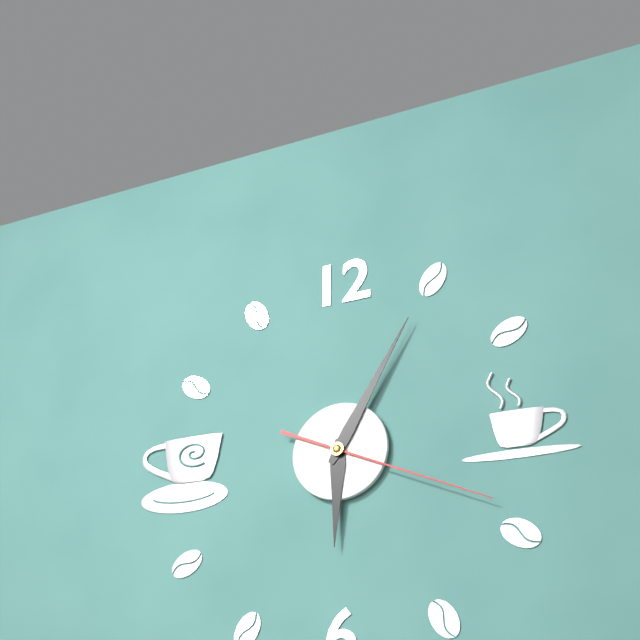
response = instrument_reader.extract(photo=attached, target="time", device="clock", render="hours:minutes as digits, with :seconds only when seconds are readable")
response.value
6:05:19
